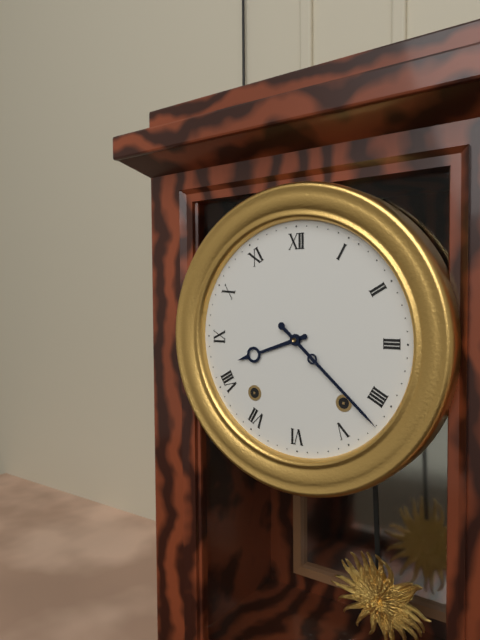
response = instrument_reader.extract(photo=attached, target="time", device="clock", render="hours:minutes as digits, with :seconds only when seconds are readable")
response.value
8:22
